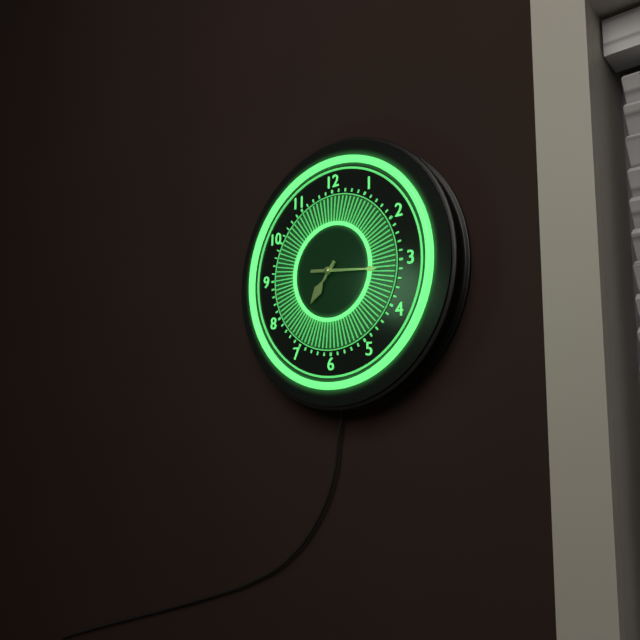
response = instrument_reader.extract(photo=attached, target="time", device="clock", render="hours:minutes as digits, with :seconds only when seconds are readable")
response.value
7:16
